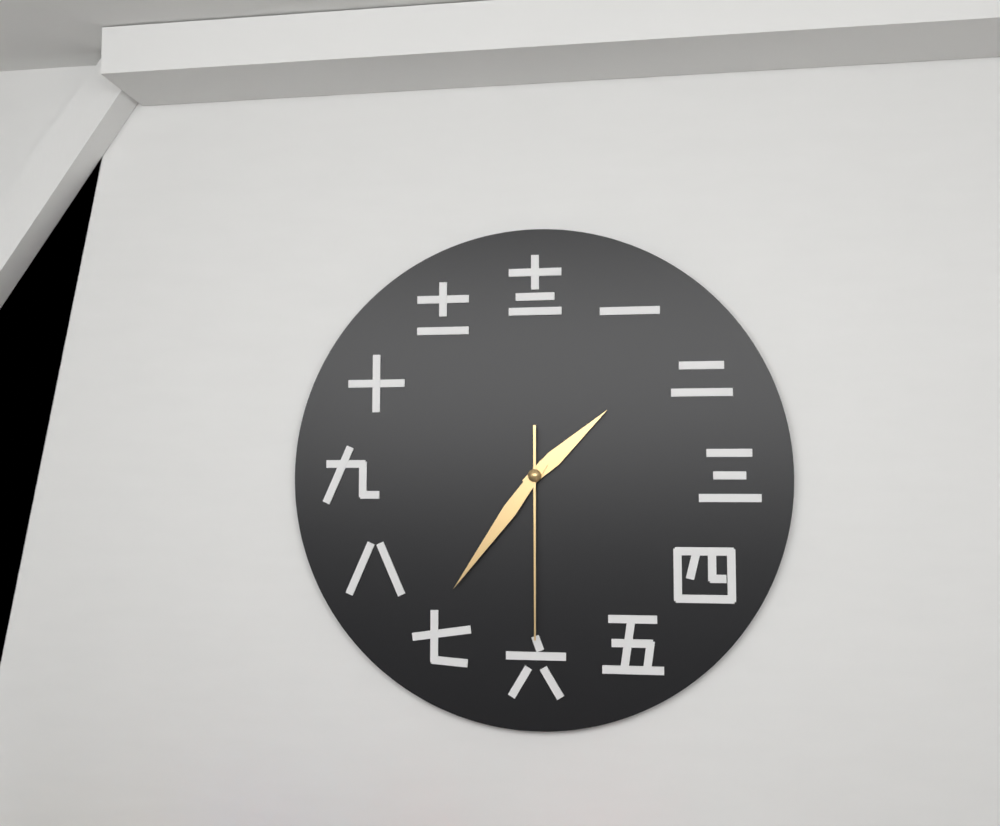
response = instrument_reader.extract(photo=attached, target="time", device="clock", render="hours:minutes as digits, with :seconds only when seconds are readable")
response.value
1:36:30
